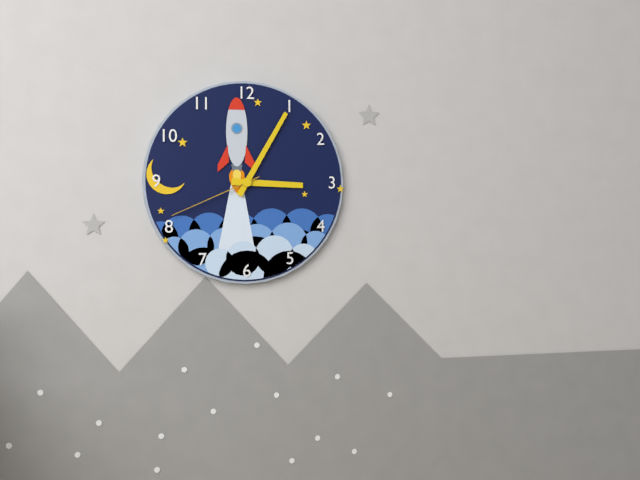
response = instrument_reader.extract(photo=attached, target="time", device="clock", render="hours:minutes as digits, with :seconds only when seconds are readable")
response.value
3:05:41
